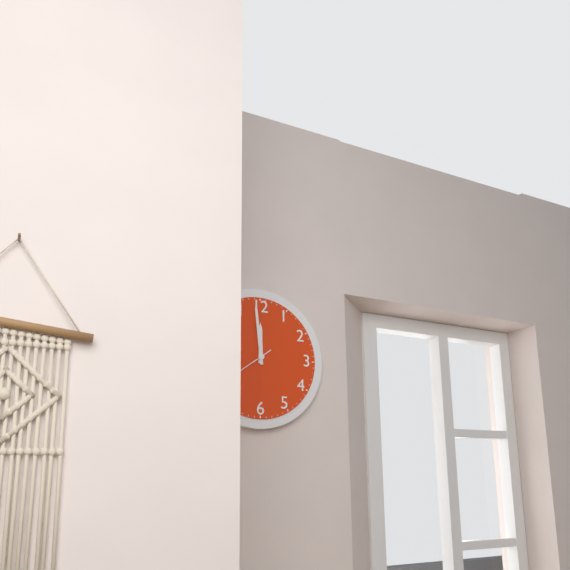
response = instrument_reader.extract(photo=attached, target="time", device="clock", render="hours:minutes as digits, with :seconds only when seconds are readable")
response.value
11:59
